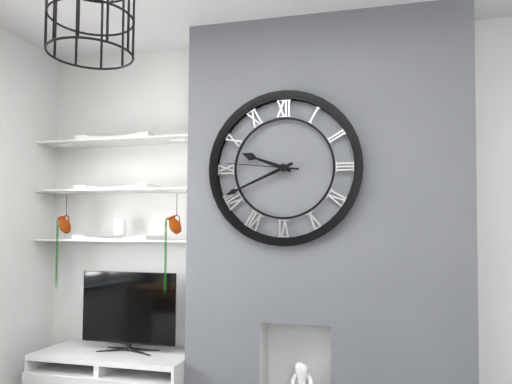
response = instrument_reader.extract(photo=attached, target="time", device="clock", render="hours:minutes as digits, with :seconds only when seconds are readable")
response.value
9:41:46
